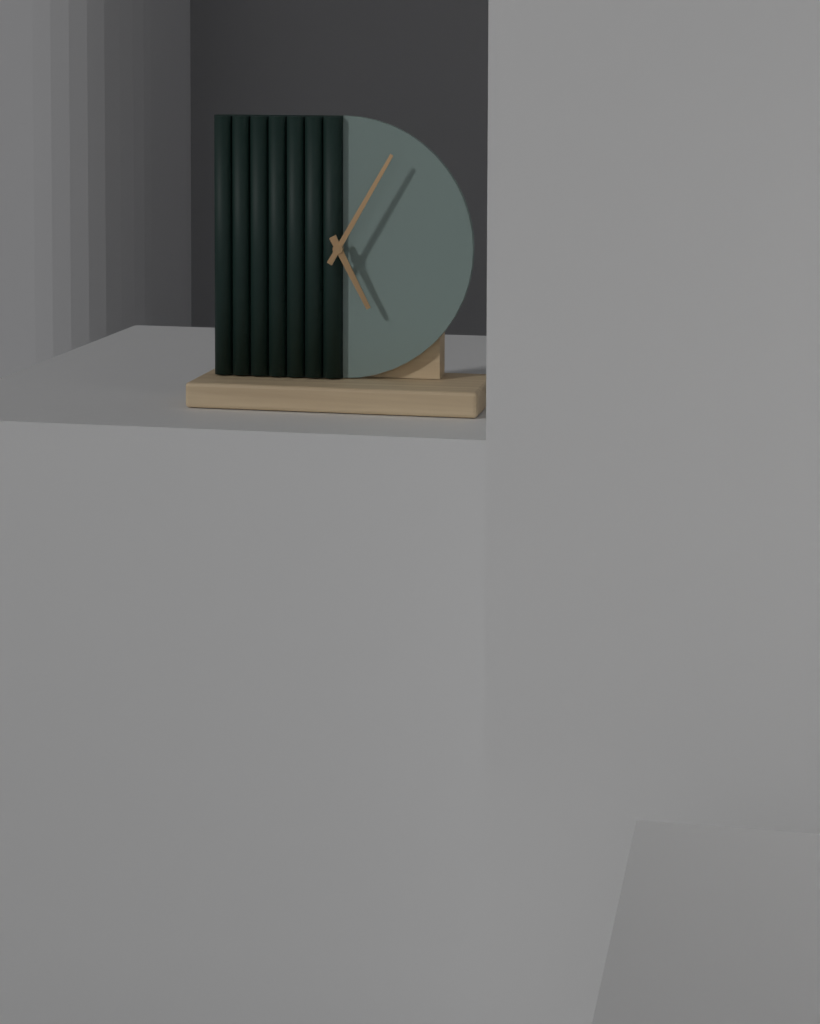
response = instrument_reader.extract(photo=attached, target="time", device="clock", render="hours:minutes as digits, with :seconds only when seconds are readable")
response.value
5:05
